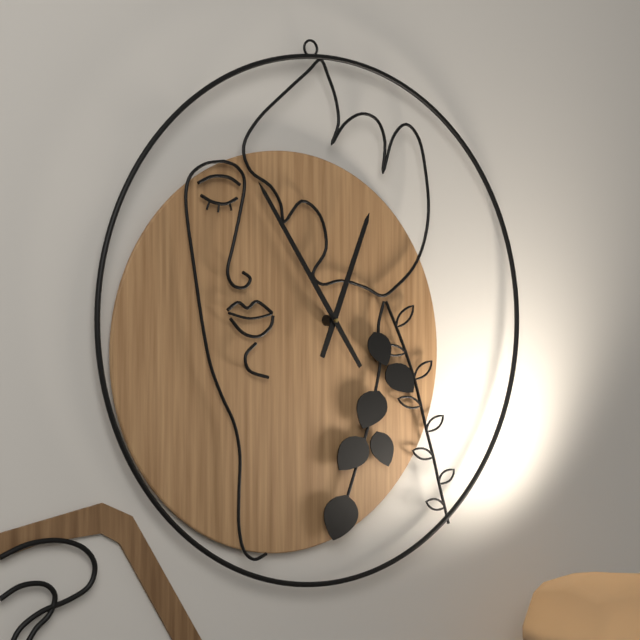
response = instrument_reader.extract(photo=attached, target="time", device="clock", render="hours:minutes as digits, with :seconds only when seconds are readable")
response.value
12:55
